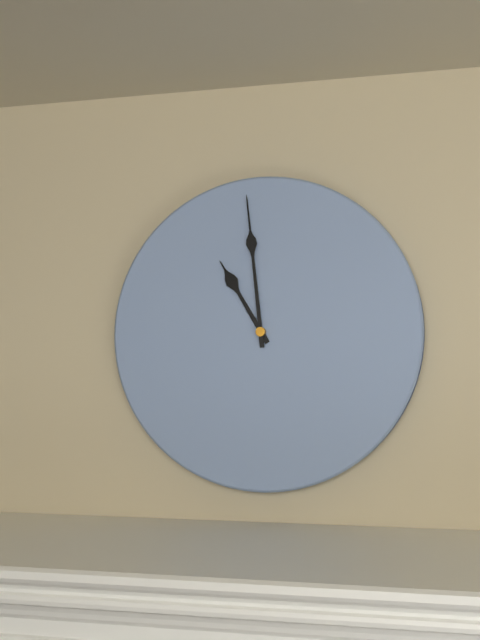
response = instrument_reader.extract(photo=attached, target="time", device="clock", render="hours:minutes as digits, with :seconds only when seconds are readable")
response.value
10:59
